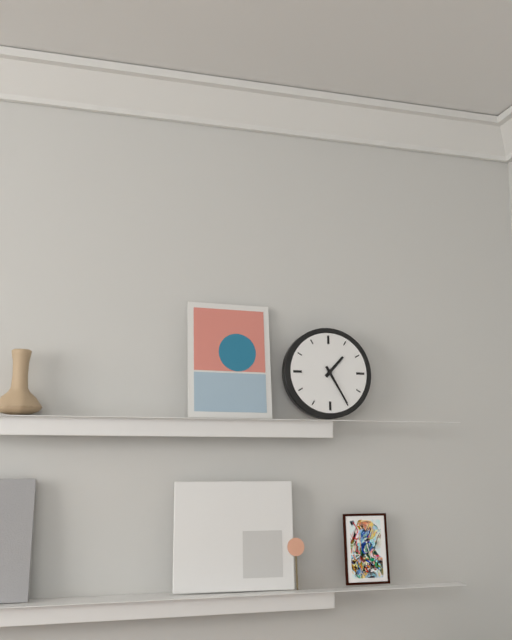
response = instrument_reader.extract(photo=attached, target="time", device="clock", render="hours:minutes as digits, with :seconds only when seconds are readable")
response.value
1:25
